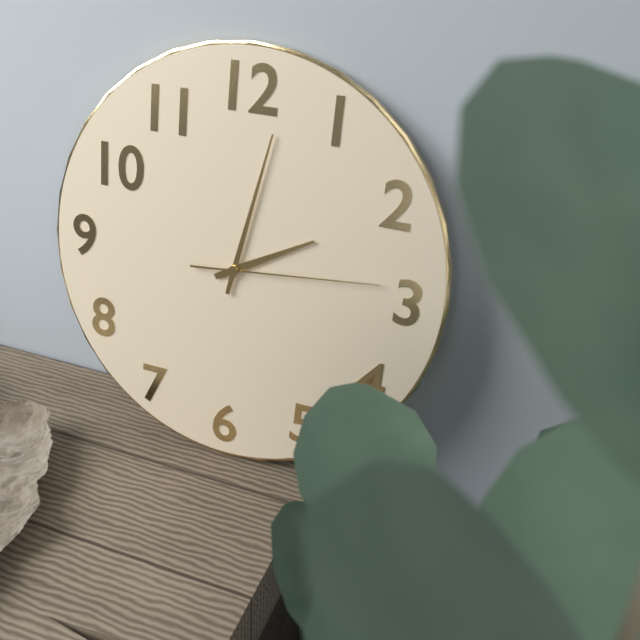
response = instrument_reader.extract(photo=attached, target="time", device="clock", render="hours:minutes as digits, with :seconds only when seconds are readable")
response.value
2:02:14
